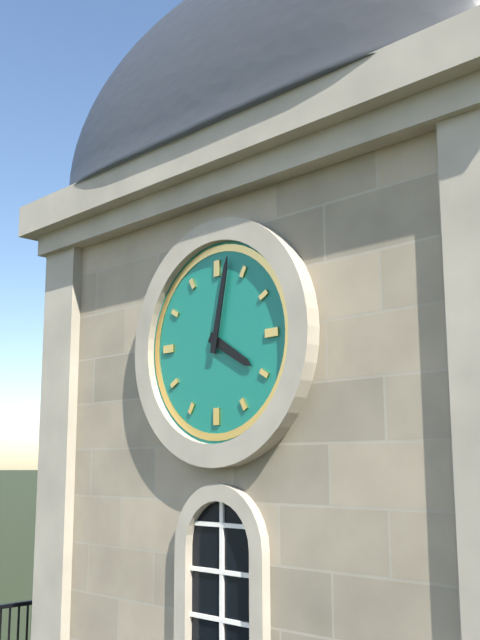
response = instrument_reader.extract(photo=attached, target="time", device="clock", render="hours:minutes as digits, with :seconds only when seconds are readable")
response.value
4:02
